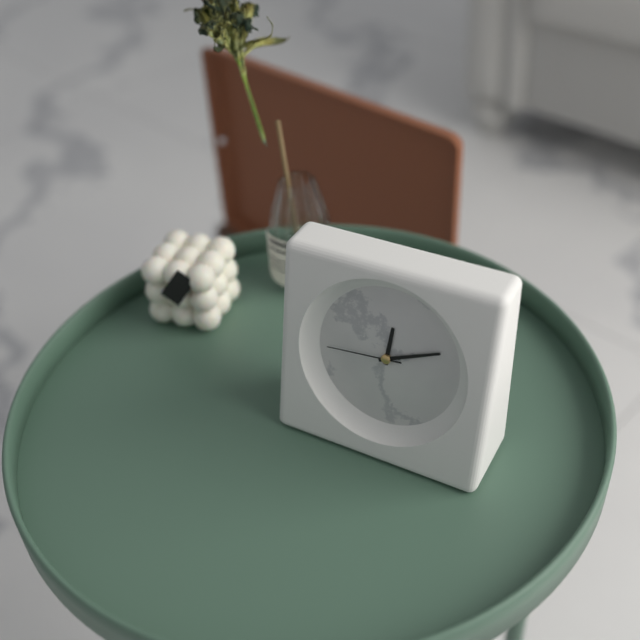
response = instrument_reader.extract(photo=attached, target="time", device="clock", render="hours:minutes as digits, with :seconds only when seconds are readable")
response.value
12:11:44
